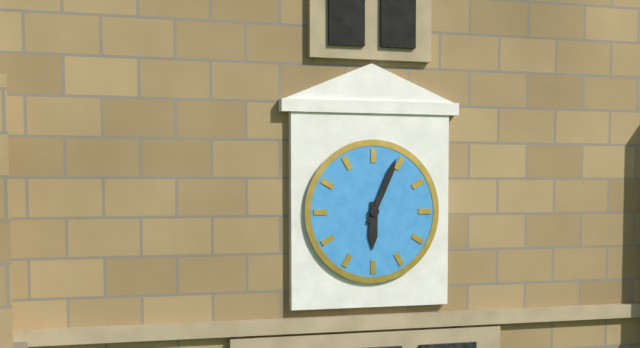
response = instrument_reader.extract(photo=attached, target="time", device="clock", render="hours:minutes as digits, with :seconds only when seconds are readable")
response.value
6:04
